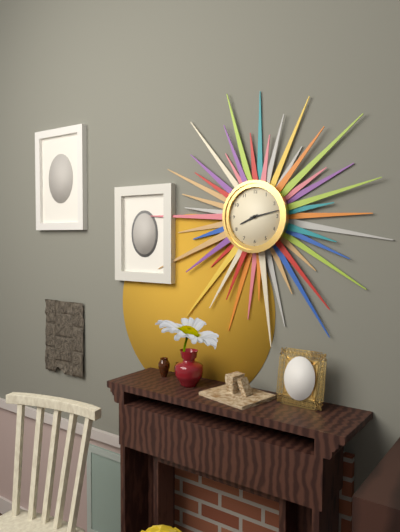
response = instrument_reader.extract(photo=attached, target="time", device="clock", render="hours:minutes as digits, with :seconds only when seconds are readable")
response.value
8:13
